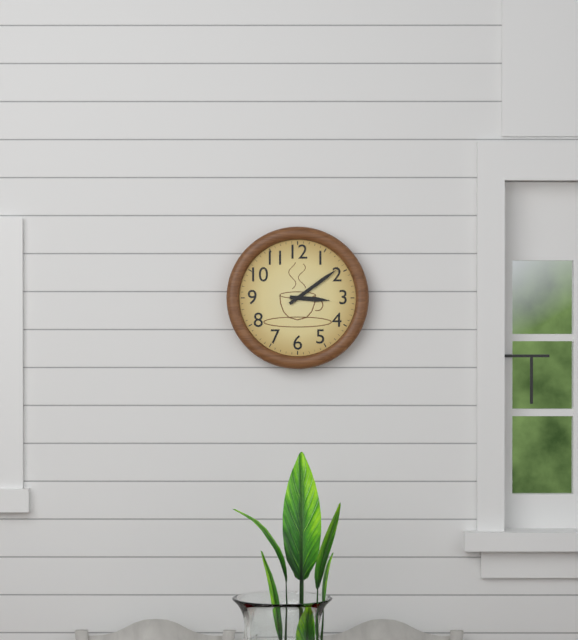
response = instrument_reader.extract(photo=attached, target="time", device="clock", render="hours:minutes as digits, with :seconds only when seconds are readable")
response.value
3:09
